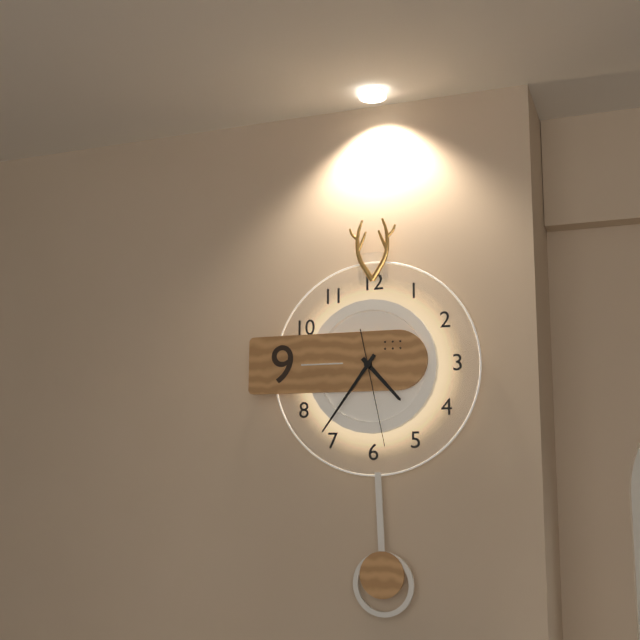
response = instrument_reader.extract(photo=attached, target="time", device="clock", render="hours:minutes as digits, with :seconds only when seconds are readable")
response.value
4:36:28
